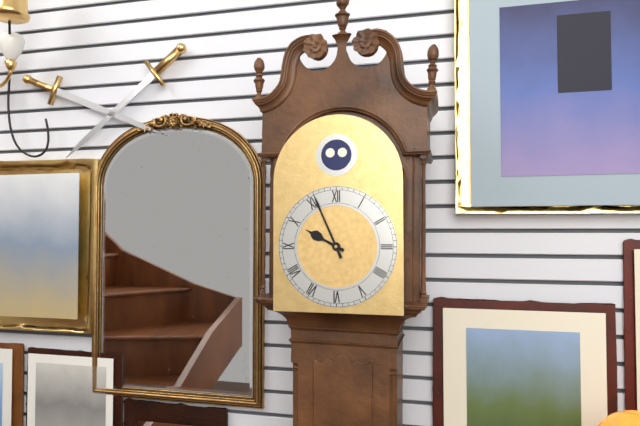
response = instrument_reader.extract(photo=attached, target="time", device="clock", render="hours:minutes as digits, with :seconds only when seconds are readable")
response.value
9:56
